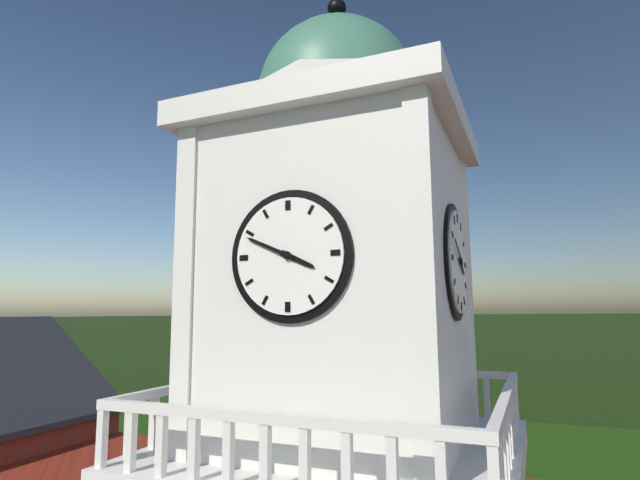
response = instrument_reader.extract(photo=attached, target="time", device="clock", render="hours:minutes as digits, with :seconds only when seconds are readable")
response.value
3:49
